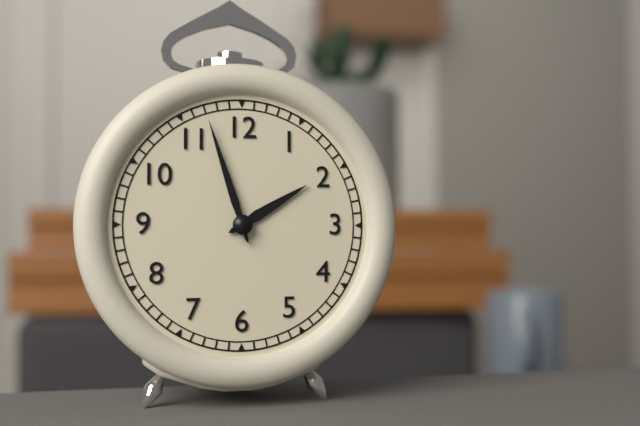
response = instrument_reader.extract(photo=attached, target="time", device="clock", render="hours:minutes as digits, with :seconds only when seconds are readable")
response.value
1:57
